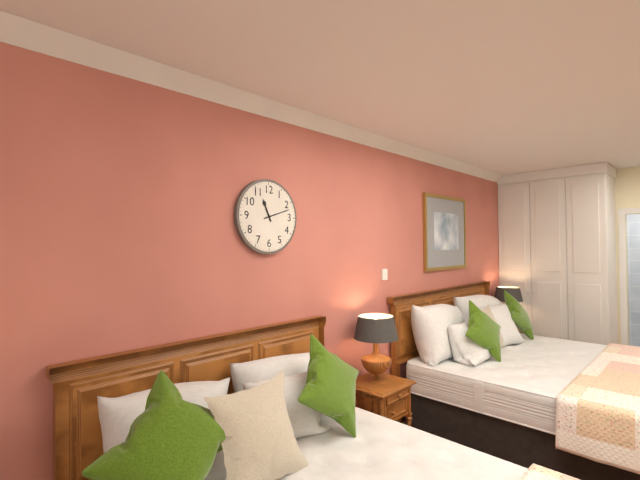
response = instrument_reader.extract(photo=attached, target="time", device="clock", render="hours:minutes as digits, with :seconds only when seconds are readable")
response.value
11:12
